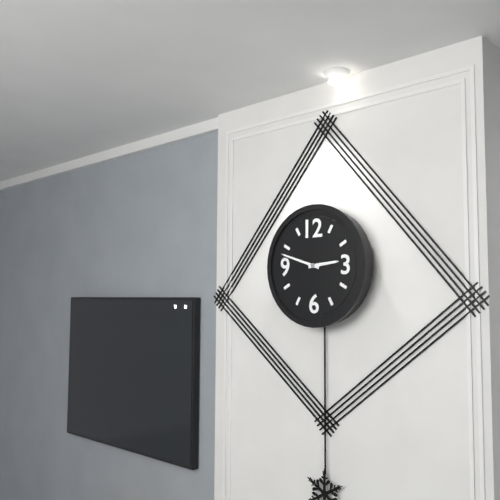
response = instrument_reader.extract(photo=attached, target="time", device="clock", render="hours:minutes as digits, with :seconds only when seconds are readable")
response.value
2:48
